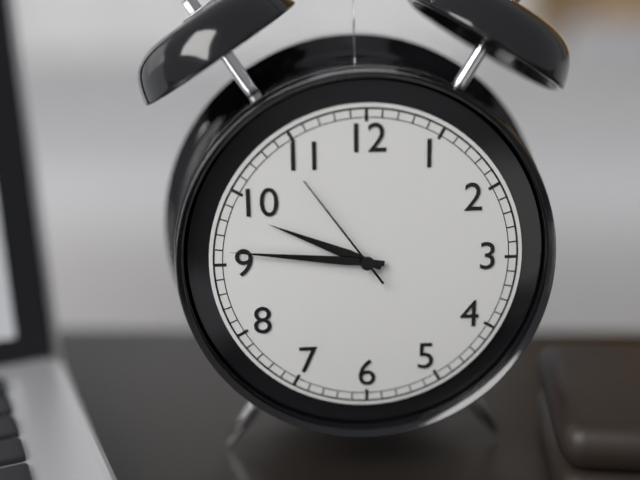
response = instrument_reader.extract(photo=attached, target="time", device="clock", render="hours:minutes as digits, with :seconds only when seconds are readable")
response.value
9:46:54
